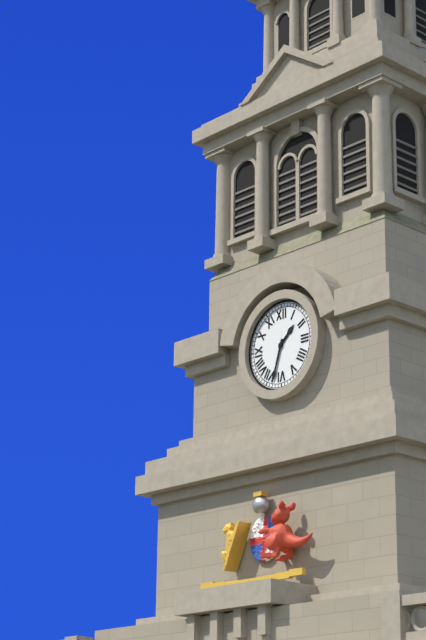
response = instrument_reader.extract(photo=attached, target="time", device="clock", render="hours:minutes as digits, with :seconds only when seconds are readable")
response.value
1:33
